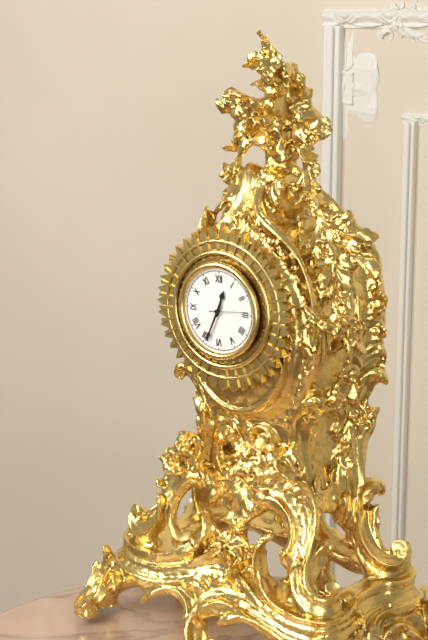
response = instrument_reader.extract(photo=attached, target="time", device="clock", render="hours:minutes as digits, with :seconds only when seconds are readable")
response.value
12:34
